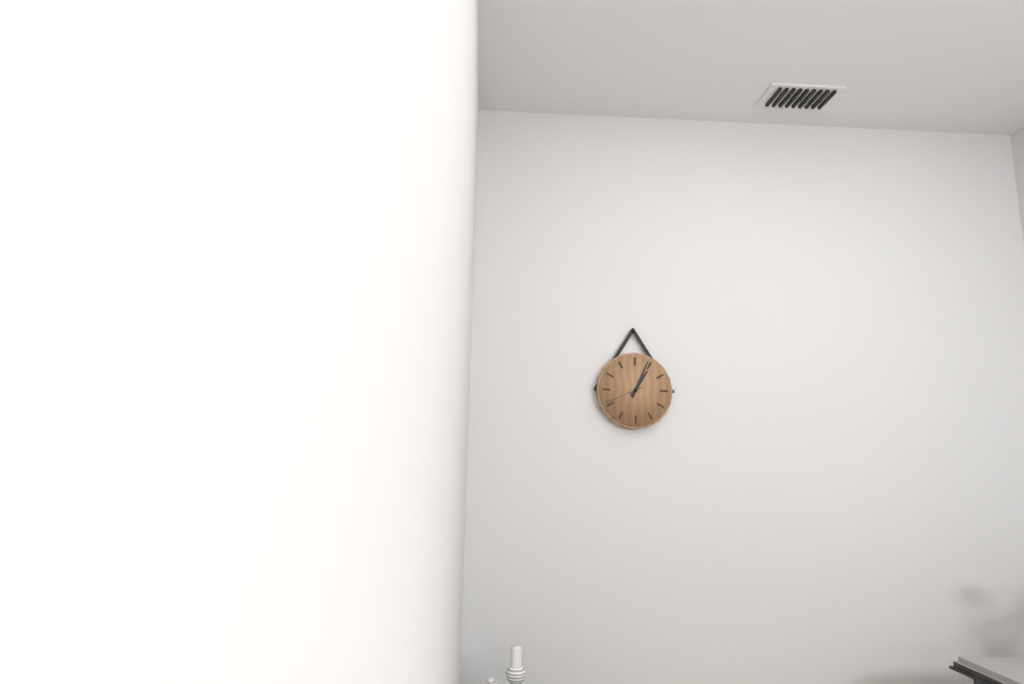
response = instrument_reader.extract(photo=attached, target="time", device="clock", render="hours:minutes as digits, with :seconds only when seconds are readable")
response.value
1:04
